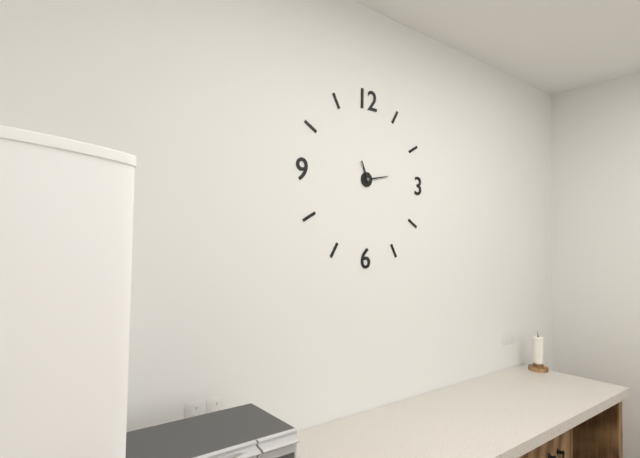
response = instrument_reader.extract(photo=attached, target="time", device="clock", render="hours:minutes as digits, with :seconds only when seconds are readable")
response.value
11:13
